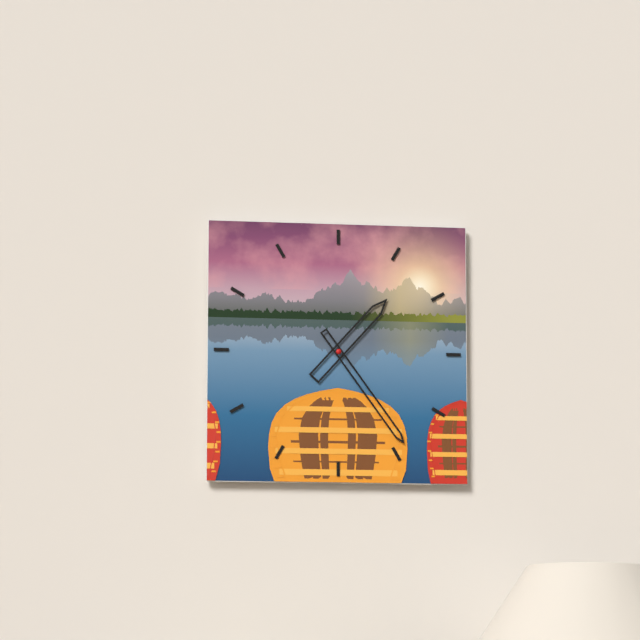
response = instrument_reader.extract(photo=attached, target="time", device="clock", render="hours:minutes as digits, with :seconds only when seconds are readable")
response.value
1:24
